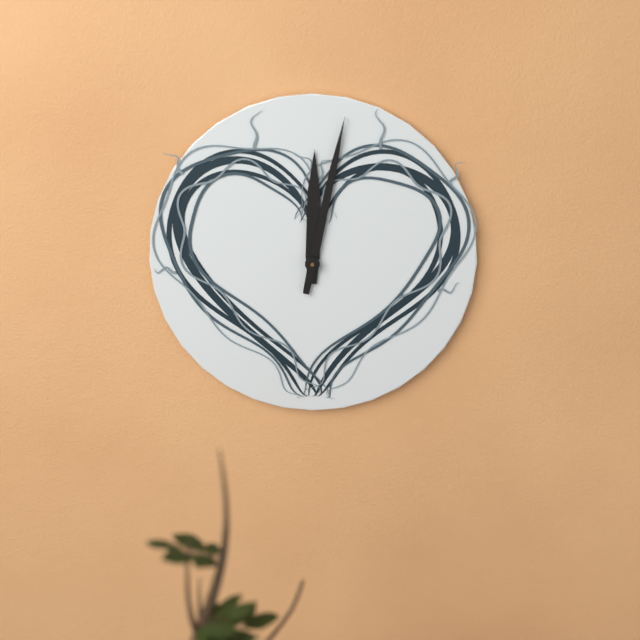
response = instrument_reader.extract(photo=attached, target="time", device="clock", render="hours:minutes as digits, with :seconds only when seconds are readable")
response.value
12:02
